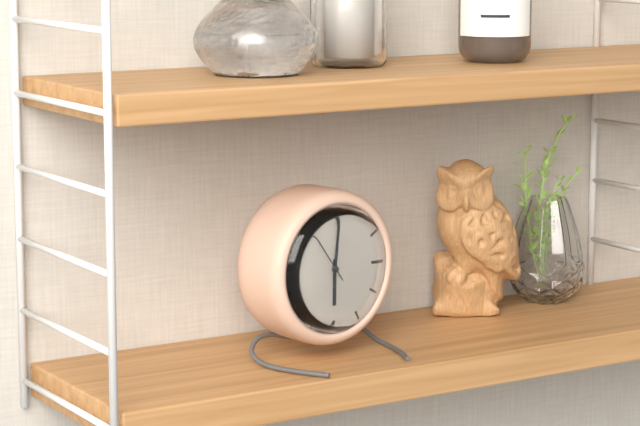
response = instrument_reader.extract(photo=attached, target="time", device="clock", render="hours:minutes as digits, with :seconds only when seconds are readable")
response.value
6:01
